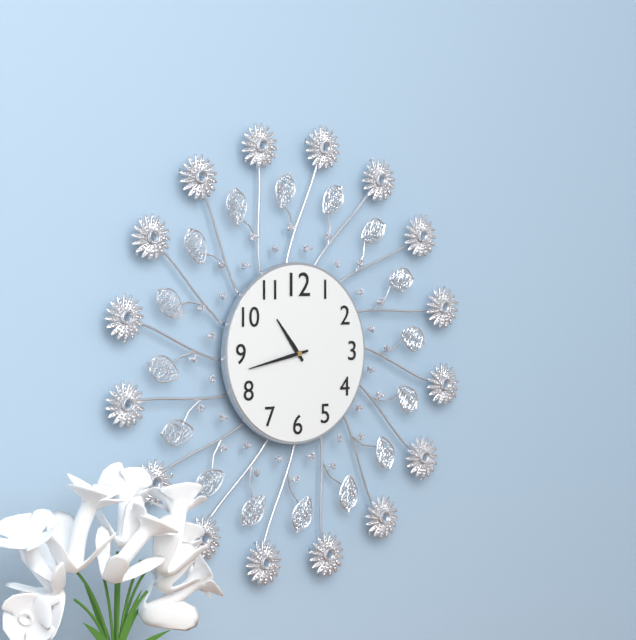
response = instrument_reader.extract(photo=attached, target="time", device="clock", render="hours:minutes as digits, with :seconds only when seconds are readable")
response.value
10:43
